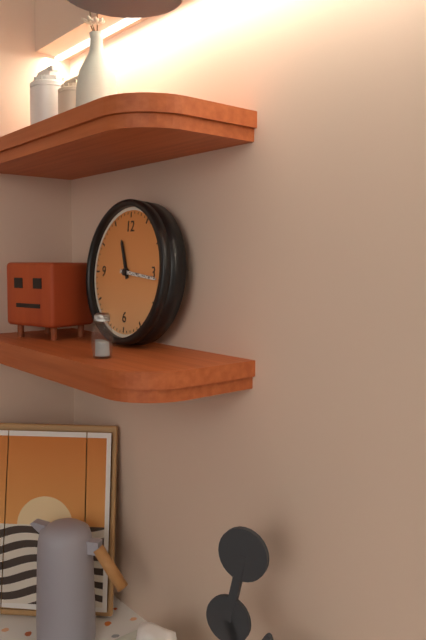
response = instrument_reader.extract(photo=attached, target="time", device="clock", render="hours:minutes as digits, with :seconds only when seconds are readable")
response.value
11:16
